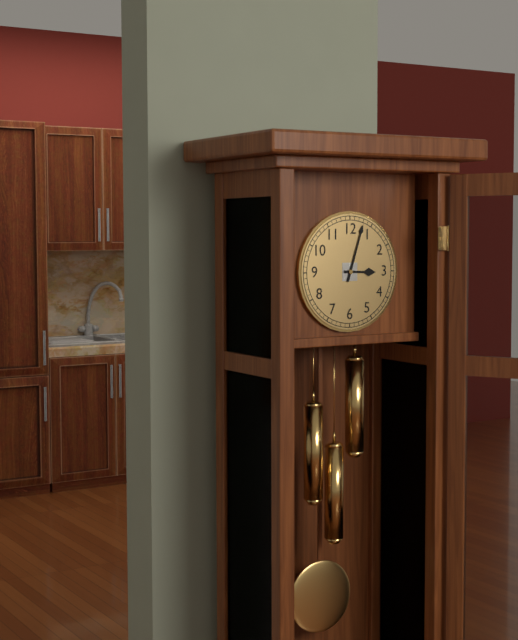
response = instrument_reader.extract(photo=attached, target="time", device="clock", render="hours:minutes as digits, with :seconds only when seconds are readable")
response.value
3:03
